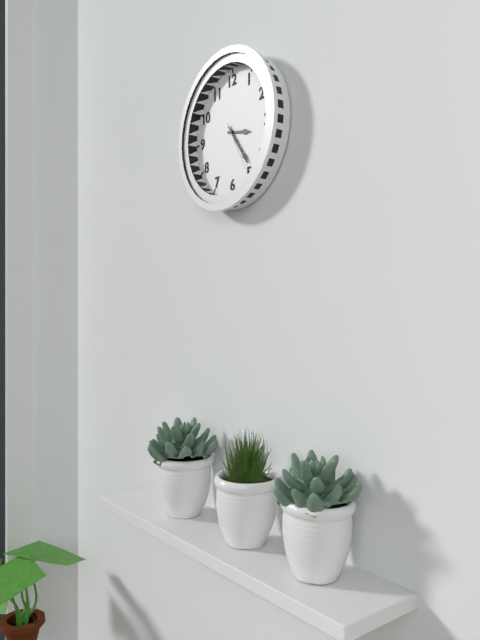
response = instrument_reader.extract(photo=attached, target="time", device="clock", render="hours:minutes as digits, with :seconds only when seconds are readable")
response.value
3:24
